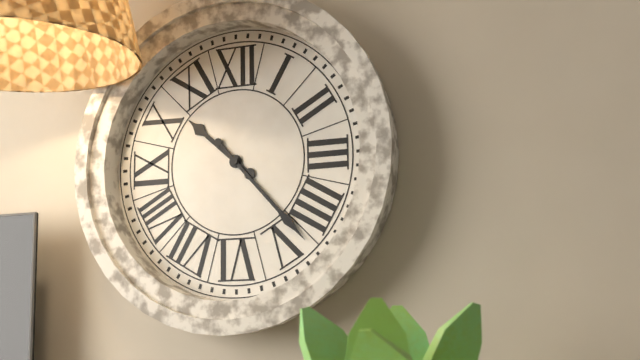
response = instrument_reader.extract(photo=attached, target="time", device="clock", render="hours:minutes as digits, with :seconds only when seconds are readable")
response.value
10:23
